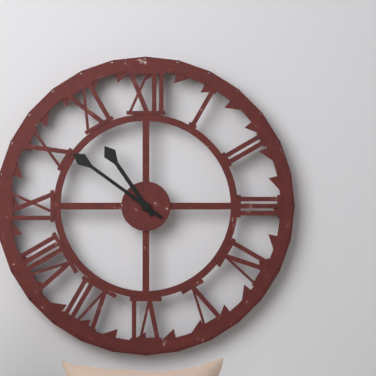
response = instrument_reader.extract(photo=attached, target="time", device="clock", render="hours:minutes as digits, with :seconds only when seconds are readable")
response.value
10:51
